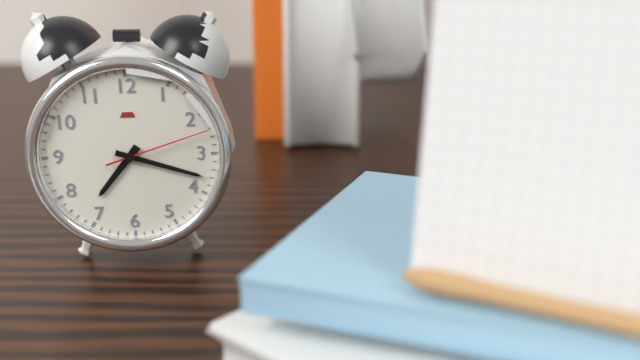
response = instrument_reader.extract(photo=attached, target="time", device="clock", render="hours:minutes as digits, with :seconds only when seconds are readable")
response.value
7:18:12
